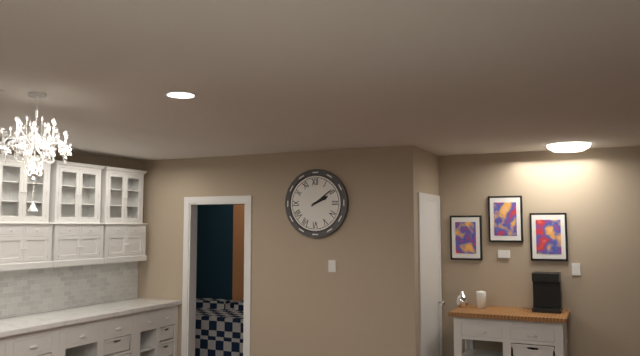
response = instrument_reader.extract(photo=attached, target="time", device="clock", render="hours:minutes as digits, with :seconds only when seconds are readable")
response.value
2:09
